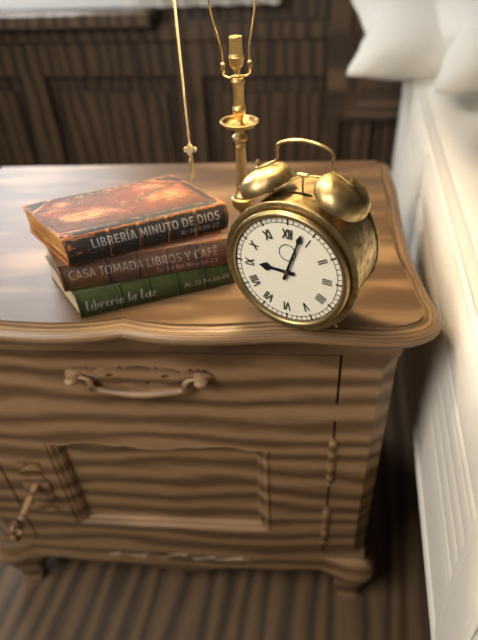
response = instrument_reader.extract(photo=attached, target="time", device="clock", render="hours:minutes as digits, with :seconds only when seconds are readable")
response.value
9:03
